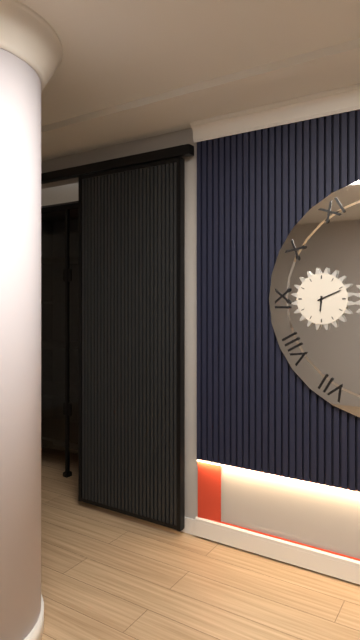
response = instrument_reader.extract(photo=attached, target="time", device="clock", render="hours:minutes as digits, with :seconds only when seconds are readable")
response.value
6:11
